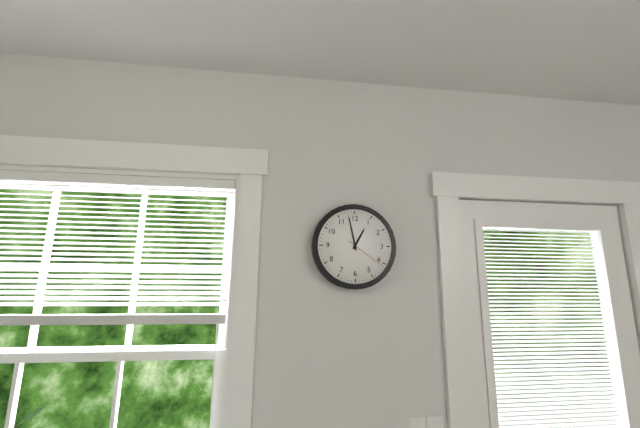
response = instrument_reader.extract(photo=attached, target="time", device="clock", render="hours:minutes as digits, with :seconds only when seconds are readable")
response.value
12:58
